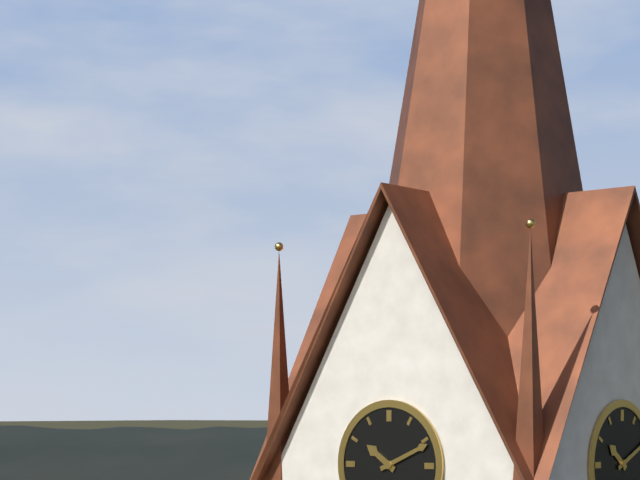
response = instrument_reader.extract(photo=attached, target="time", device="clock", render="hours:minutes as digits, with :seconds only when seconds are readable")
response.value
10:11
